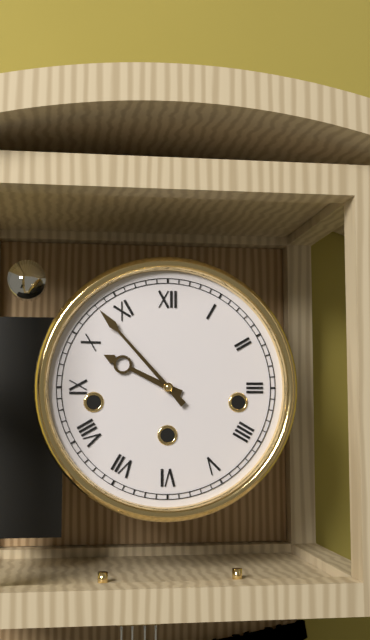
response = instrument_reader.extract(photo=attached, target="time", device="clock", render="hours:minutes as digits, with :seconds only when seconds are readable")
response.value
9:53
